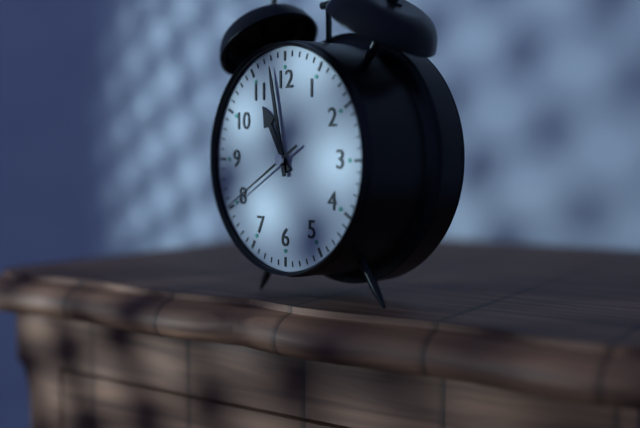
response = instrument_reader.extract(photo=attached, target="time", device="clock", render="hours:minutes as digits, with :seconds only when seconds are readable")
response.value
10:58:40
